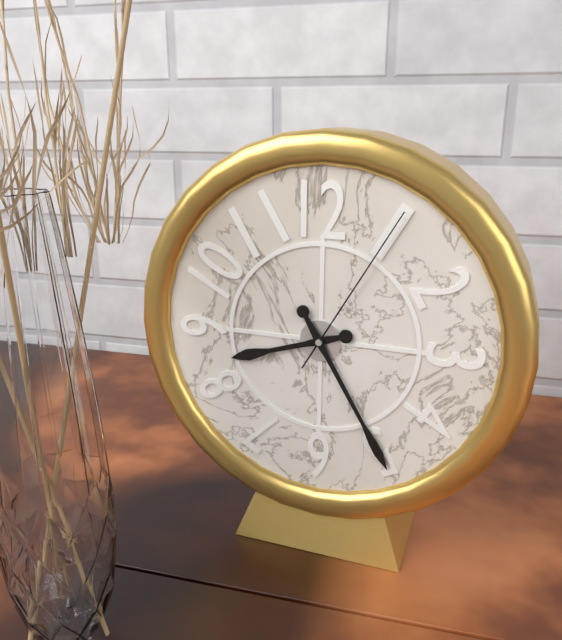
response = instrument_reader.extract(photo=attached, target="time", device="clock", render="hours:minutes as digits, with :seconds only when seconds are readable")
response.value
8:25:05
